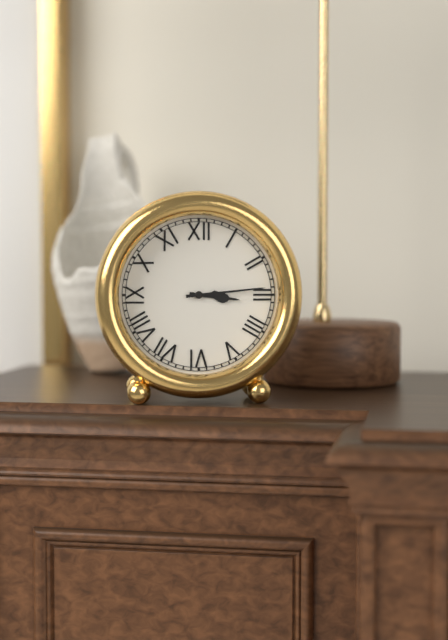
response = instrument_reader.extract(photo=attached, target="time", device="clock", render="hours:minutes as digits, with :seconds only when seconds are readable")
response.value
3:14
